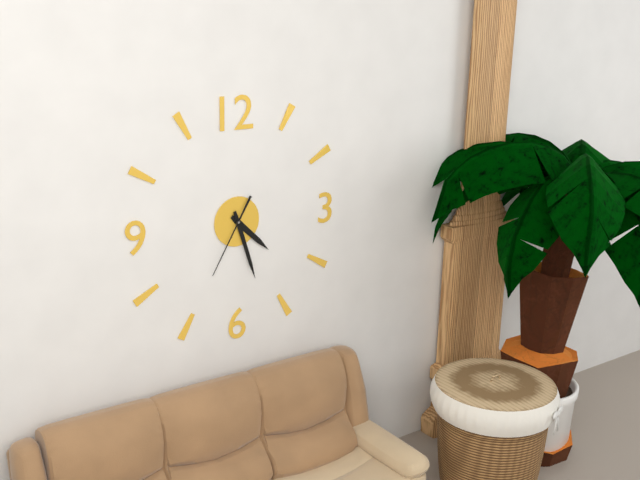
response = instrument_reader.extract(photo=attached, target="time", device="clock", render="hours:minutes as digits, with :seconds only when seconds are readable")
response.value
4:27:35
